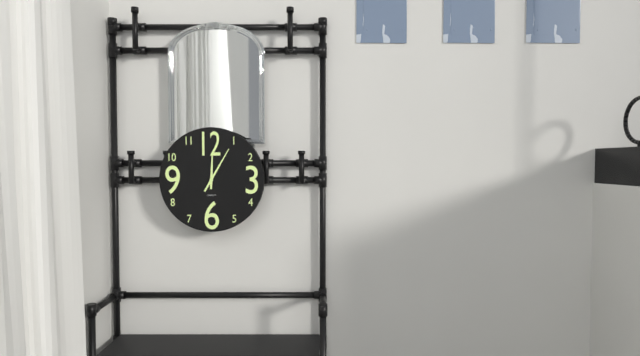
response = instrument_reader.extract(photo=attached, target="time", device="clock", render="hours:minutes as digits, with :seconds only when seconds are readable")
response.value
12:05
